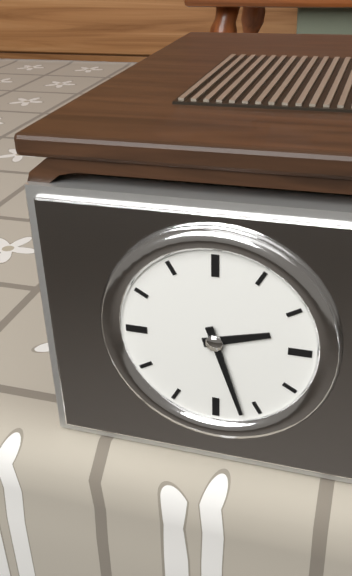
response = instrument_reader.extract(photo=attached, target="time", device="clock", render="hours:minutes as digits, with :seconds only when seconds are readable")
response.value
2:27
